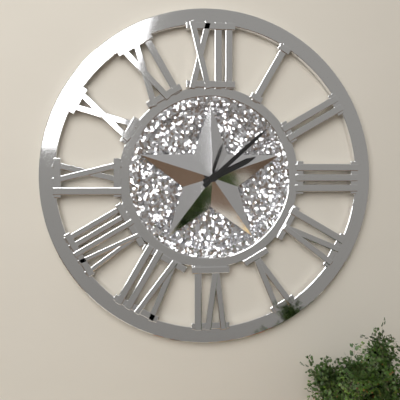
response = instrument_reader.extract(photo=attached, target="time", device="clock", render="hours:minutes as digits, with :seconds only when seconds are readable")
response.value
2:08
